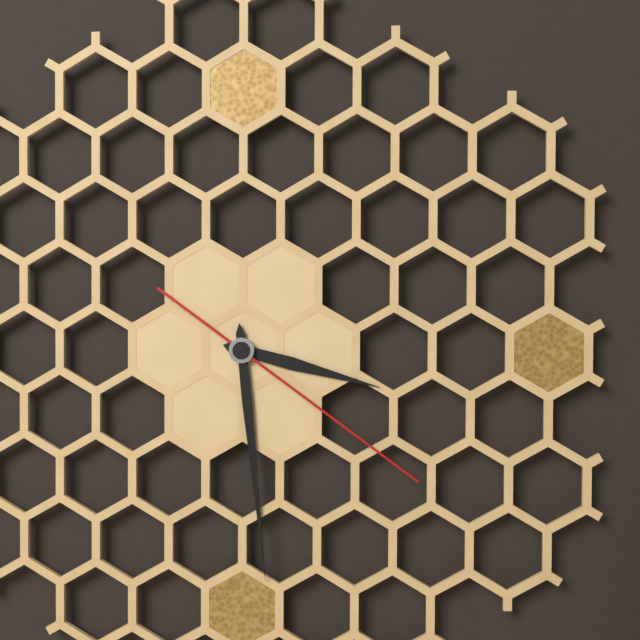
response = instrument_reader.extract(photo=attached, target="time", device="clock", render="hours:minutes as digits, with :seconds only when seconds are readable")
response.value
3:29:21
